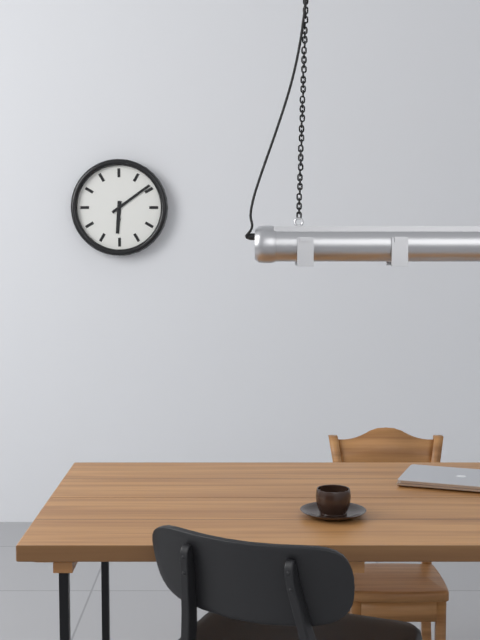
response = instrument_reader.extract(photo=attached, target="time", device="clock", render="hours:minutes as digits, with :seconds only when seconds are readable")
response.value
6:09
